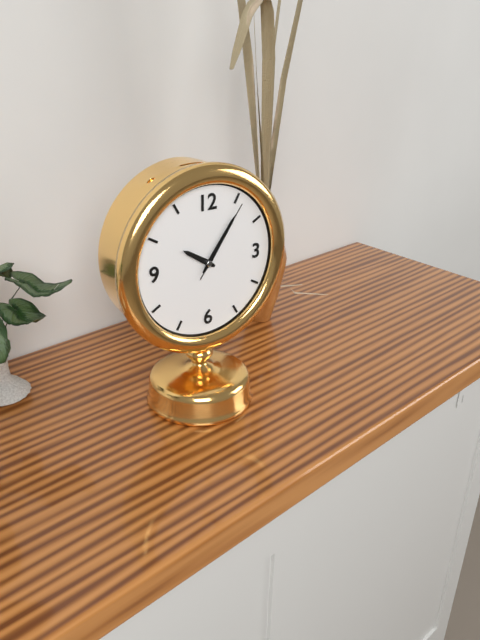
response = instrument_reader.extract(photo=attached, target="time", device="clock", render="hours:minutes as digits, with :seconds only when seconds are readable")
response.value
10:06:06
